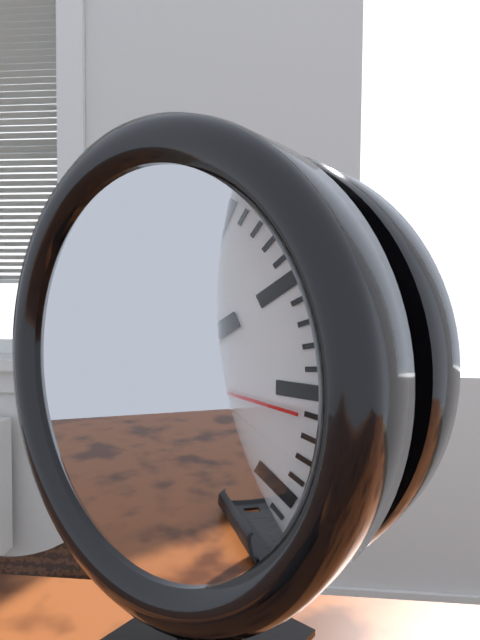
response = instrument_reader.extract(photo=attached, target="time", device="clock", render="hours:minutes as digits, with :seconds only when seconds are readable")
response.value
2:02:16
